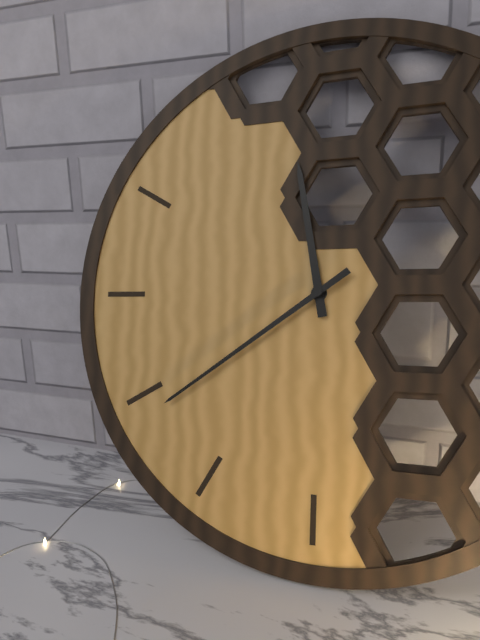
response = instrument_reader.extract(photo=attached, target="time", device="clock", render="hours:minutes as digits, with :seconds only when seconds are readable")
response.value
11:39:39
